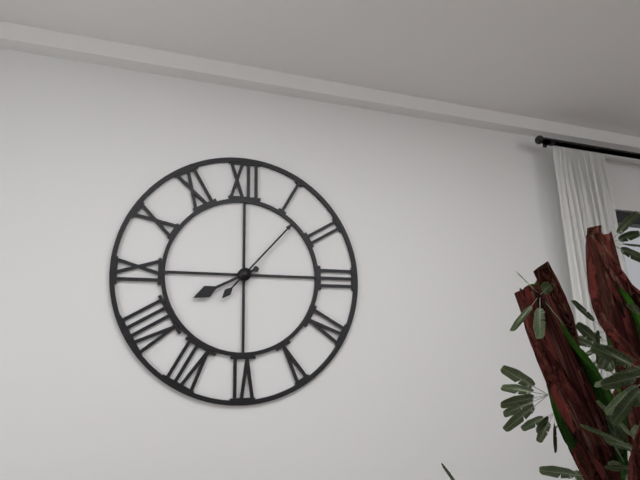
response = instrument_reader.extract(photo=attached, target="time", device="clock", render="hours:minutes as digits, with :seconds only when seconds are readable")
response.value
8:07
